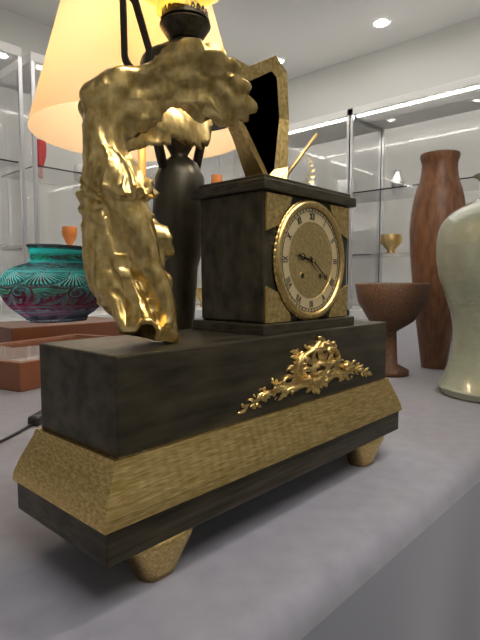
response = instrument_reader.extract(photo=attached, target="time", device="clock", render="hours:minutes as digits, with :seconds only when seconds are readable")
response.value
9:21
